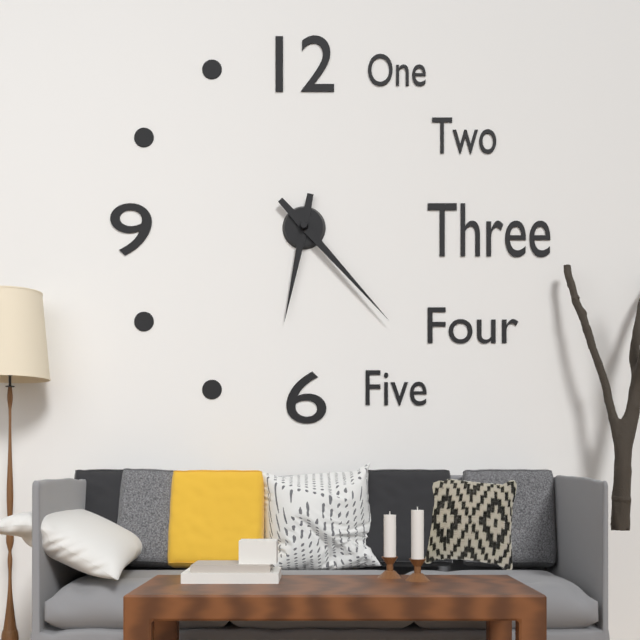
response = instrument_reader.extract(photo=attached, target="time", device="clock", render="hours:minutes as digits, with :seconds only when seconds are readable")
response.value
6:23
